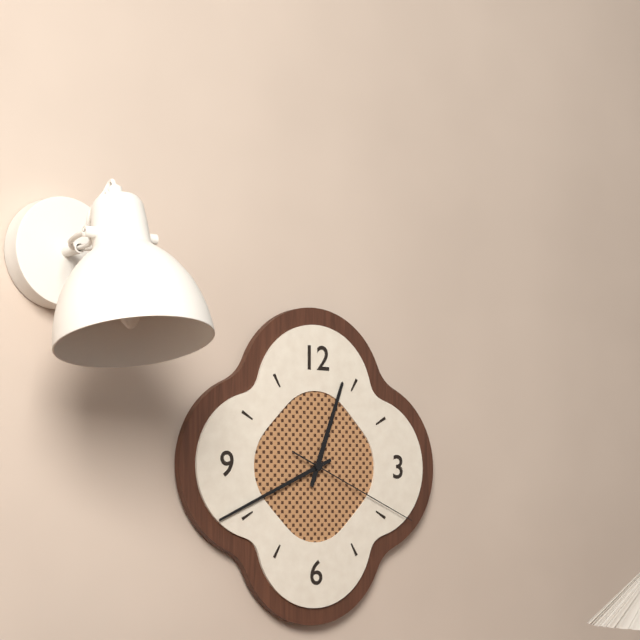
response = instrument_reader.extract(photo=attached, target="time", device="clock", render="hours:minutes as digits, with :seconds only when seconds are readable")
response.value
12:41:19
